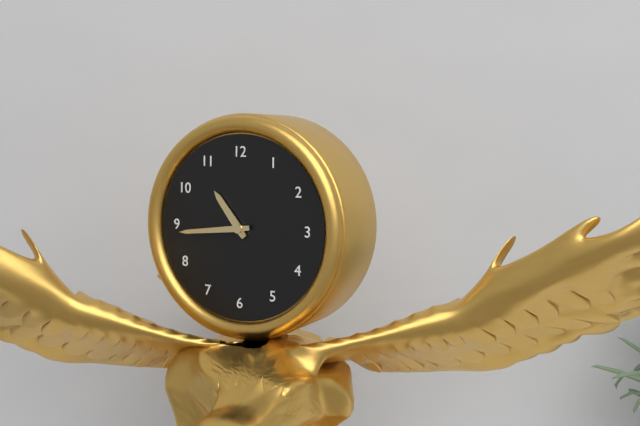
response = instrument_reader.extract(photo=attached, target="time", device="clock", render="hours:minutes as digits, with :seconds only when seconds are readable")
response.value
10:44
